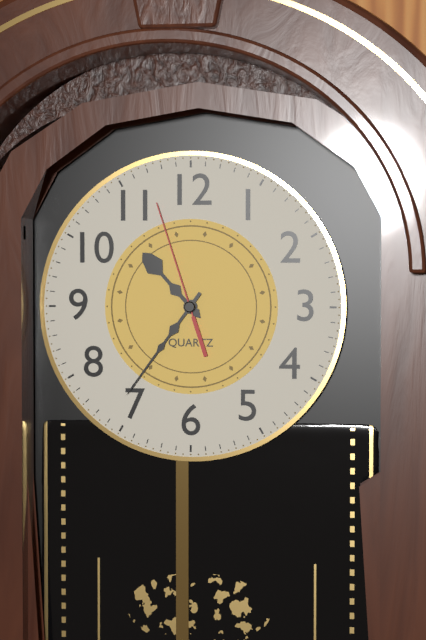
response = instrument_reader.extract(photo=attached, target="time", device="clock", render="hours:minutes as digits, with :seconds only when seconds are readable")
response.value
10:36:57
